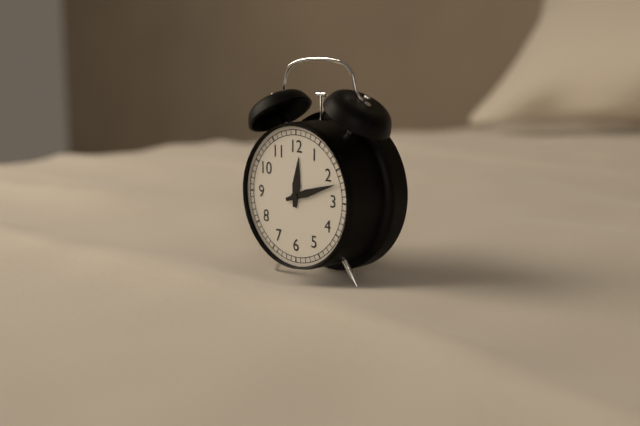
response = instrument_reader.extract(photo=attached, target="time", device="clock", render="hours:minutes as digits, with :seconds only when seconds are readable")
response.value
12:12
